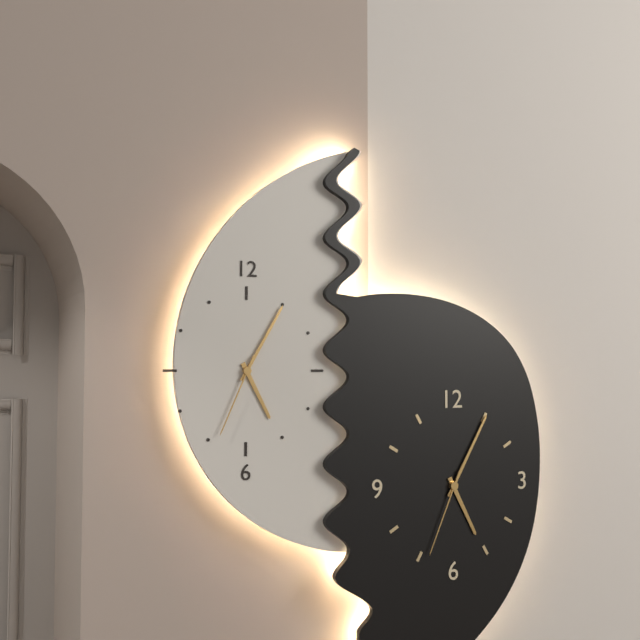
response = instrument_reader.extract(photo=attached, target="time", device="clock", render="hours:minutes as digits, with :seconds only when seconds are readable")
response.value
5:05:34
